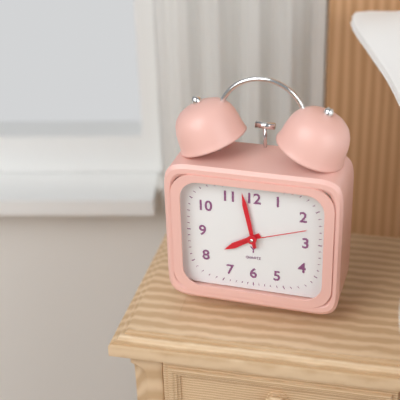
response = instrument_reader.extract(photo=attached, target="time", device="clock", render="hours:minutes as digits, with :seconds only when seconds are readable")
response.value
7:58:12
